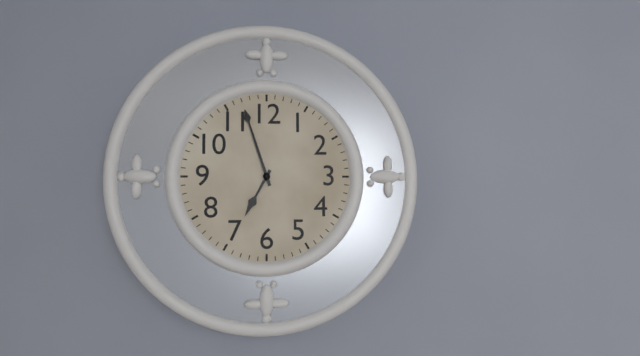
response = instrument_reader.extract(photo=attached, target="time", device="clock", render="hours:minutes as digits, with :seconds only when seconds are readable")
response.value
6:57
